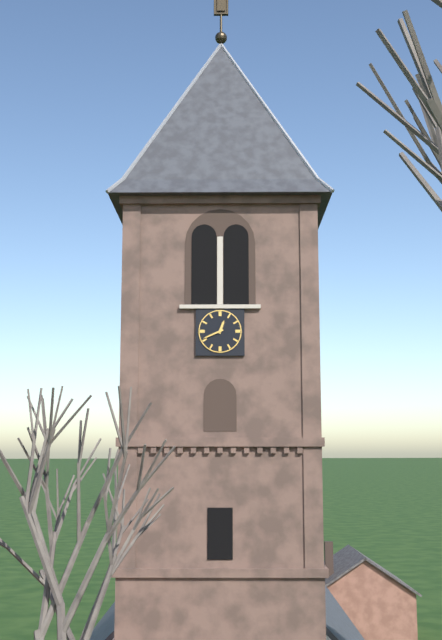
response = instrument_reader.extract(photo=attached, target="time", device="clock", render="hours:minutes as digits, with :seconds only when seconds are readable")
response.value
12:41
